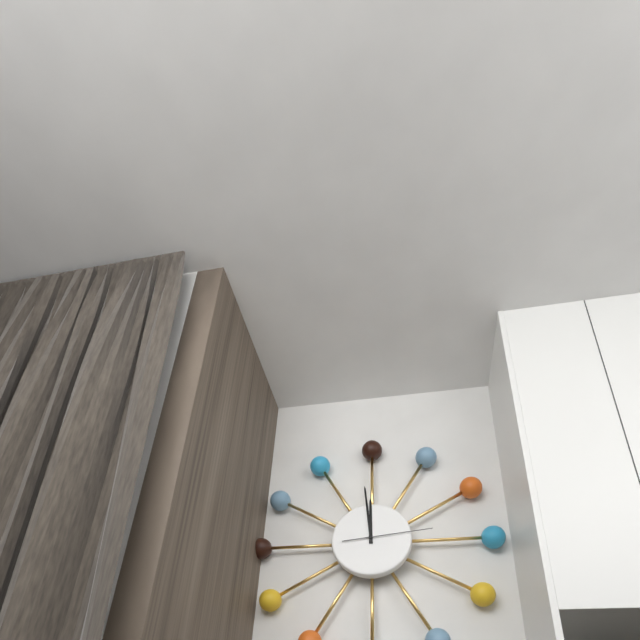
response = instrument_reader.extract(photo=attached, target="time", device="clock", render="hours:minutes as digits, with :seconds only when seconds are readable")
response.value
11:59:14
